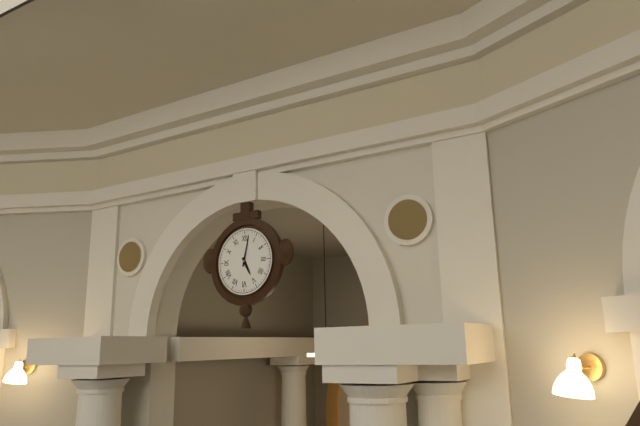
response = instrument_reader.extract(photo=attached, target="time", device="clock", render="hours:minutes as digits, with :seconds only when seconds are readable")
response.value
5:02
